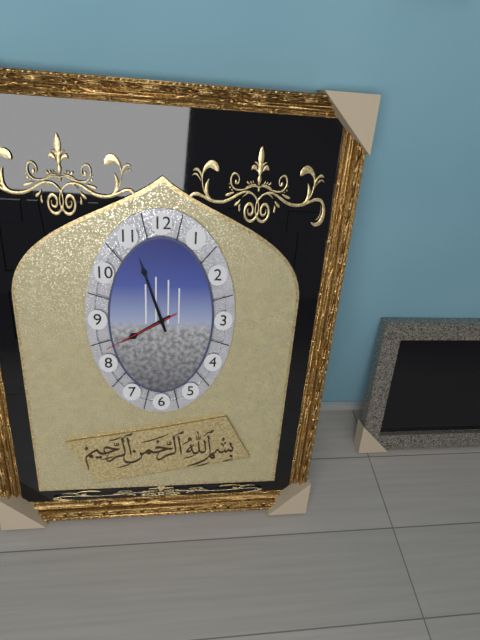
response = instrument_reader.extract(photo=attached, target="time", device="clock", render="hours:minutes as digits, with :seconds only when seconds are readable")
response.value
7:57:40
